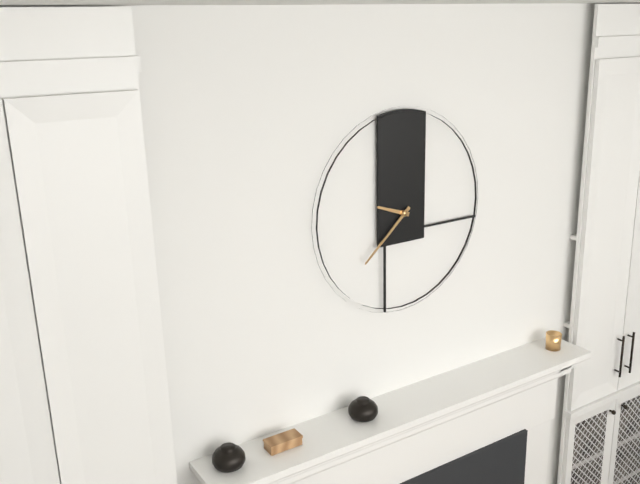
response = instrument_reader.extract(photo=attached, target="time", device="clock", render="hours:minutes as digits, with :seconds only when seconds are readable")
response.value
9:38
